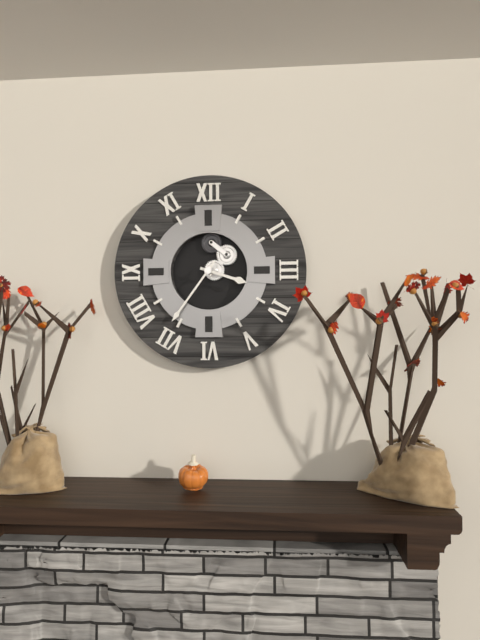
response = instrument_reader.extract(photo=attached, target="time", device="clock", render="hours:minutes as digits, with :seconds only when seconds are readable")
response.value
3:36
